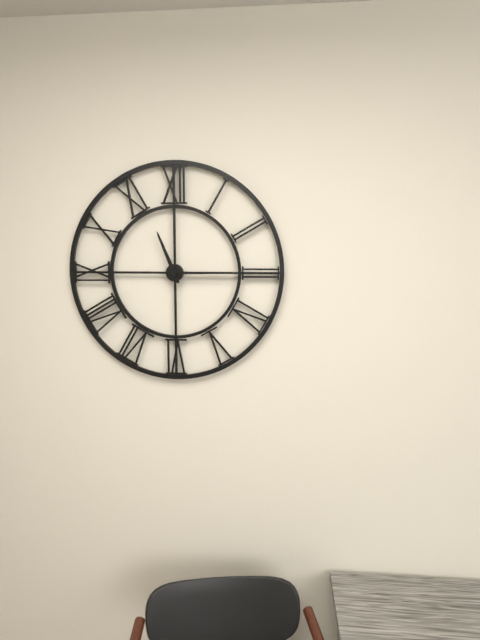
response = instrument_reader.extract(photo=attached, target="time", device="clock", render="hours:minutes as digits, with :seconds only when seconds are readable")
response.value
11:15
